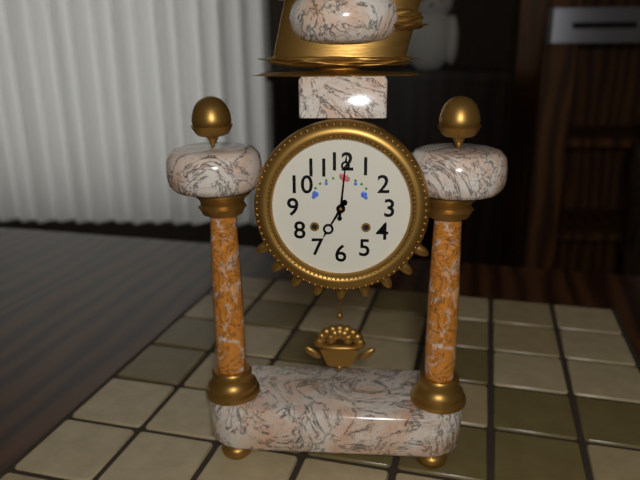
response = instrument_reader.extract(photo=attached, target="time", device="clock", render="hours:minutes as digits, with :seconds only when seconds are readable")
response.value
7:01
